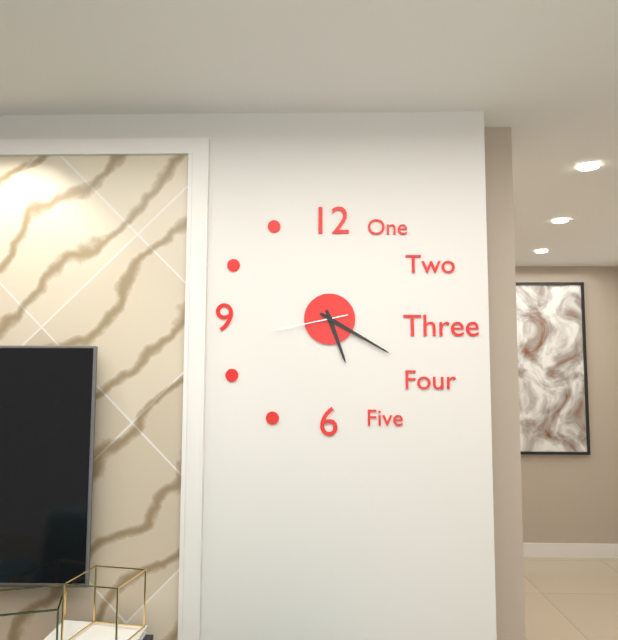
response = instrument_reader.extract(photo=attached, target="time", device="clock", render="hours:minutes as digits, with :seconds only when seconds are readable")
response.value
5:20:43
